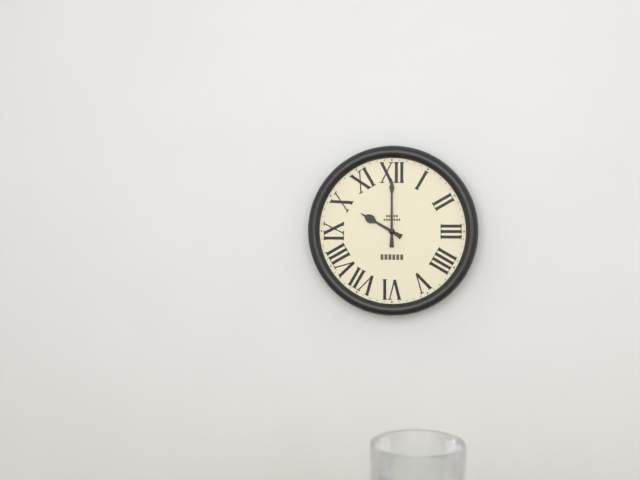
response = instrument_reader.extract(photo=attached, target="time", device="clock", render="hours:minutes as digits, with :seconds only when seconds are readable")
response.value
10:00
